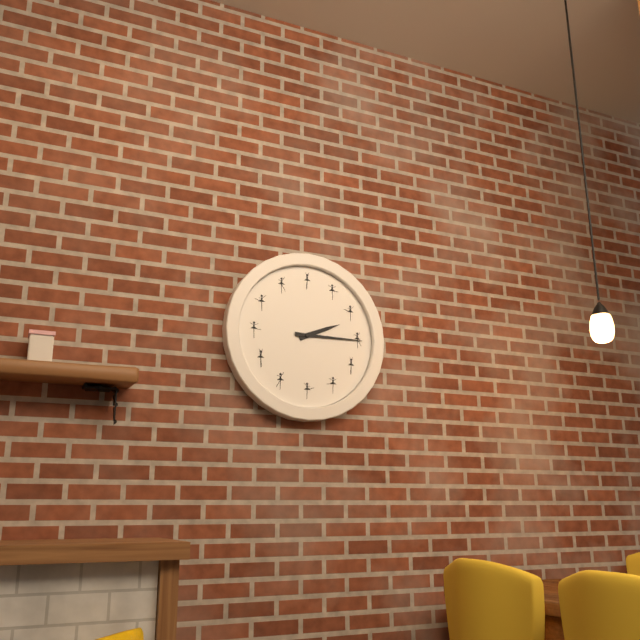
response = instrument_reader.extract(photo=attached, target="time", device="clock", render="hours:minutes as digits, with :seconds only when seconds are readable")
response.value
2:15
